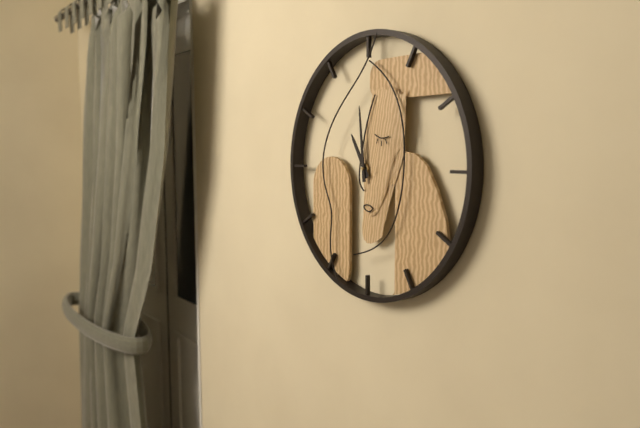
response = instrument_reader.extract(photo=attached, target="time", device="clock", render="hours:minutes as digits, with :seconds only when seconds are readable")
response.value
10:59
